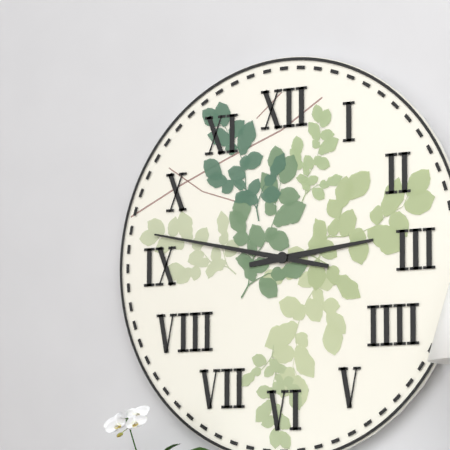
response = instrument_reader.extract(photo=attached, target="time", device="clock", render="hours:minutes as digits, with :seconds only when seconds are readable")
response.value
2:47
